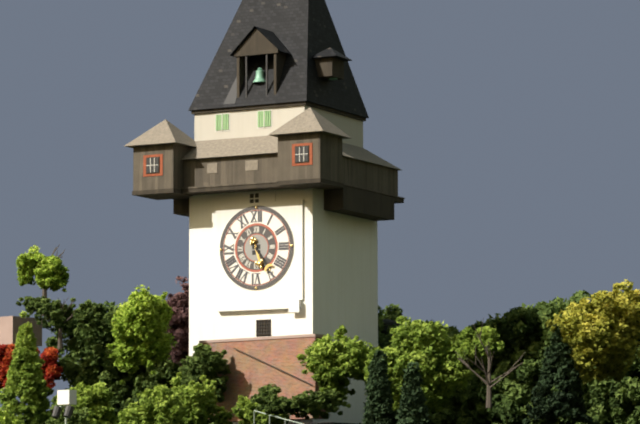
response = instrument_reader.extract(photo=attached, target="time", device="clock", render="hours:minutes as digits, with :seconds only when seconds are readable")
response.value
5:24
